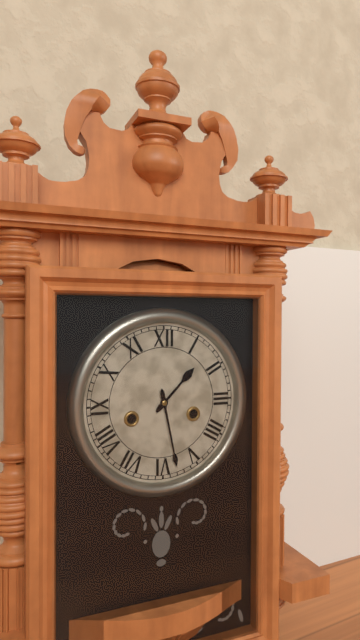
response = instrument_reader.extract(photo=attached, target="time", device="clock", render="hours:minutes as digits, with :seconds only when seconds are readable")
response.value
1:28
